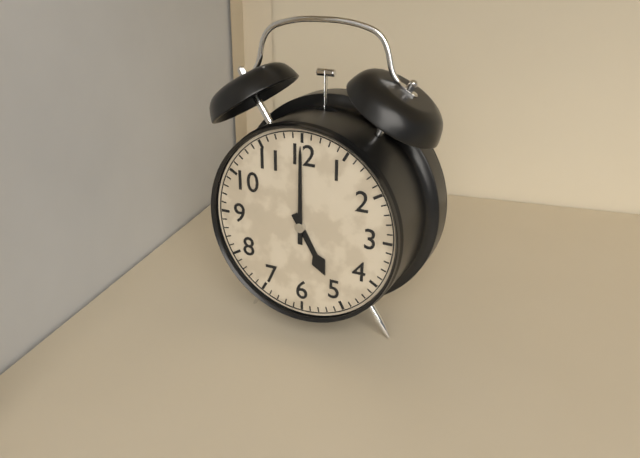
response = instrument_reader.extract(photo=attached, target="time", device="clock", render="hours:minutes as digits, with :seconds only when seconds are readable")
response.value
5:00
